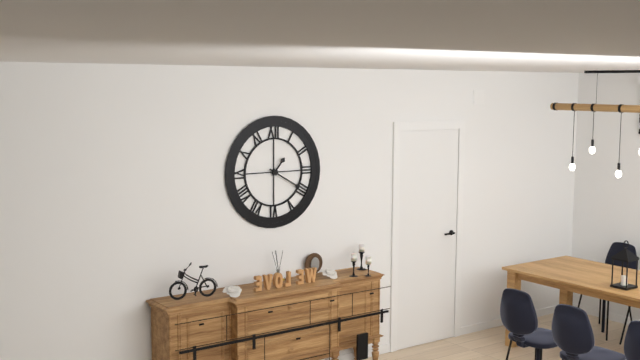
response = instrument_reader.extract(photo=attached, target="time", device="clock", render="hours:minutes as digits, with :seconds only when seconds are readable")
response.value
1:20
